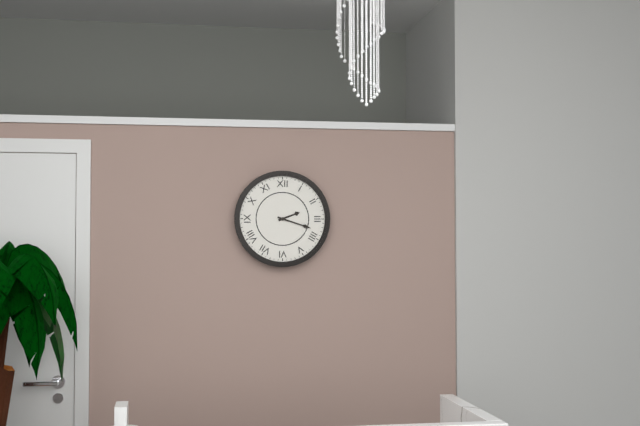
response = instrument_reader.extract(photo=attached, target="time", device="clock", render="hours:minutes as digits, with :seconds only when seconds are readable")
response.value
2:18
